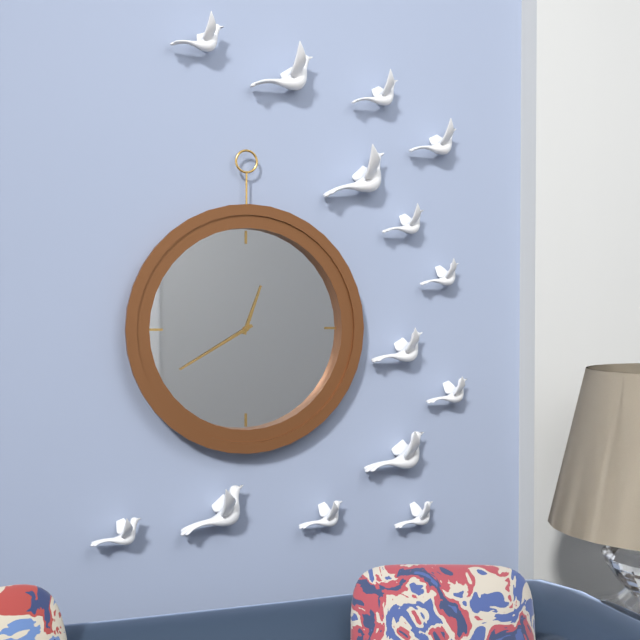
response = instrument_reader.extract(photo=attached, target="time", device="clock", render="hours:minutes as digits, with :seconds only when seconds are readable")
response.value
12:40
